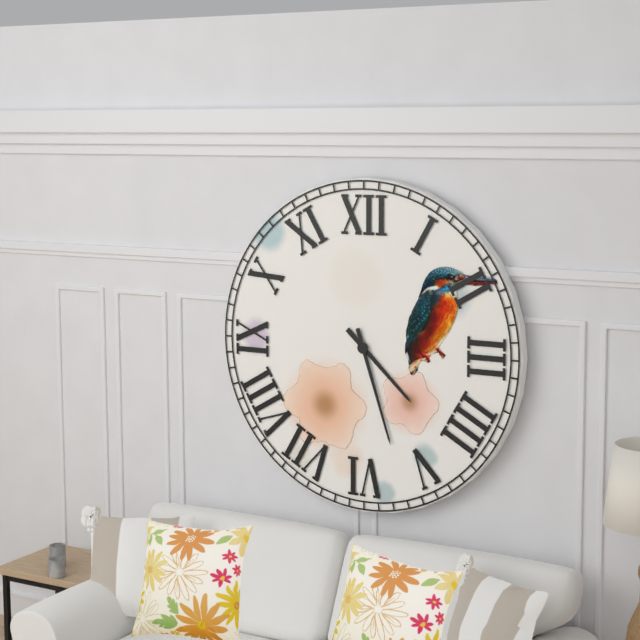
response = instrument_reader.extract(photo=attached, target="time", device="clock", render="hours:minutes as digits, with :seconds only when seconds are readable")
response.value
4:27
